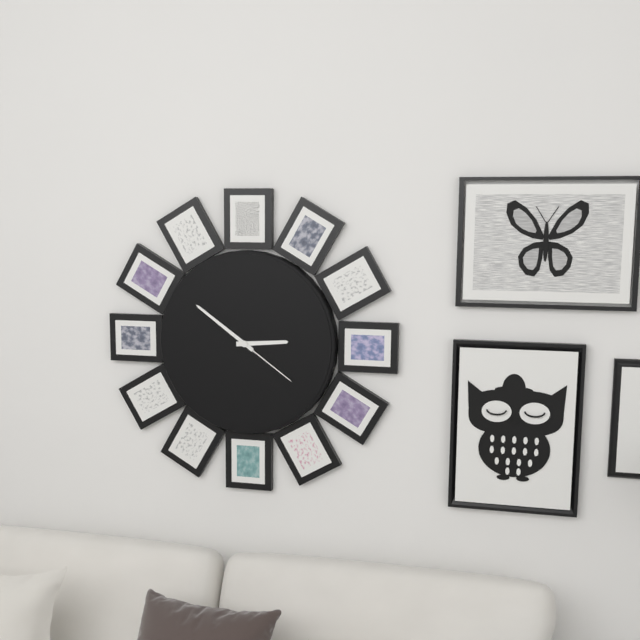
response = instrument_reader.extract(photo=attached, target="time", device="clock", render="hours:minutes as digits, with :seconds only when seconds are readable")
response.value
2:51:21
